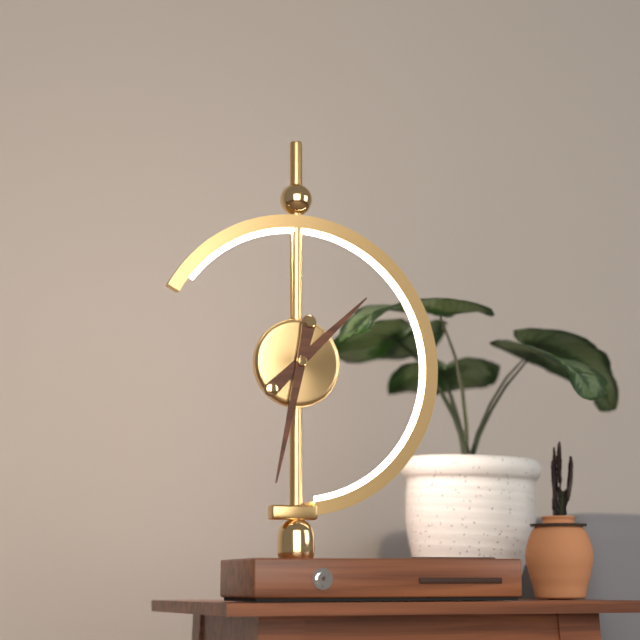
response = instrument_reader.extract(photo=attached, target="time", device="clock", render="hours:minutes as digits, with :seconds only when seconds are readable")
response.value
1:32
